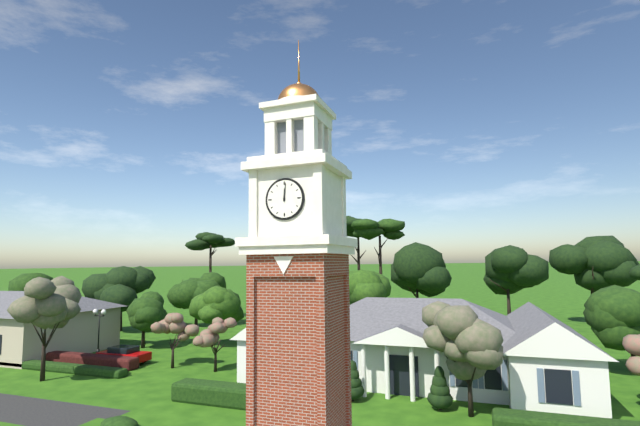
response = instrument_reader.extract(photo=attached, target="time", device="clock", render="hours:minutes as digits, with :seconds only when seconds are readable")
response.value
12:01
